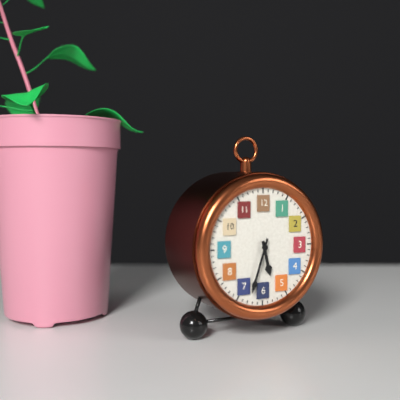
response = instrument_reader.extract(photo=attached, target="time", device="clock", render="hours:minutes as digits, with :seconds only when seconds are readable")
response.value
5:33
